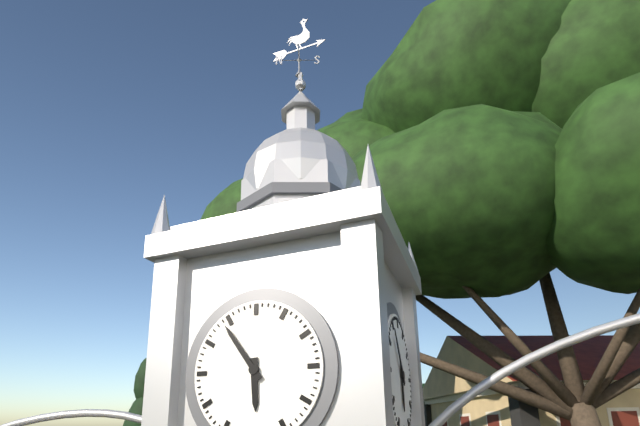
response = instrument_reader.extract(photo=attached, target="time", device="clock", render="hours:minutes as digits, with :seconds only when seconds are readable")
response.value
5:54
